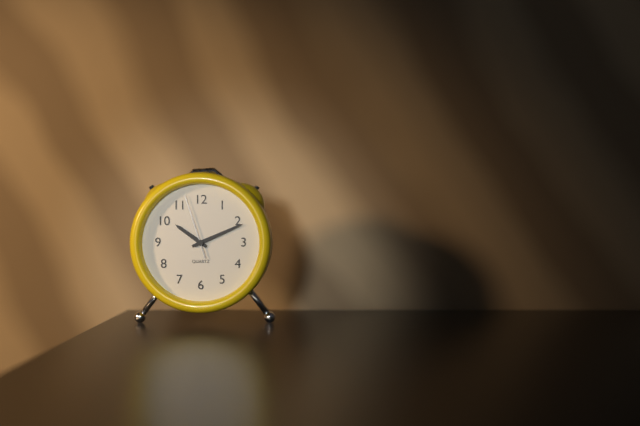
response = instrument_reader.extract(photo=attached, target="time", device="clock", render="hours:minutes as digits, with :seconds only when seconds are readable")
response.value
10:11:57
